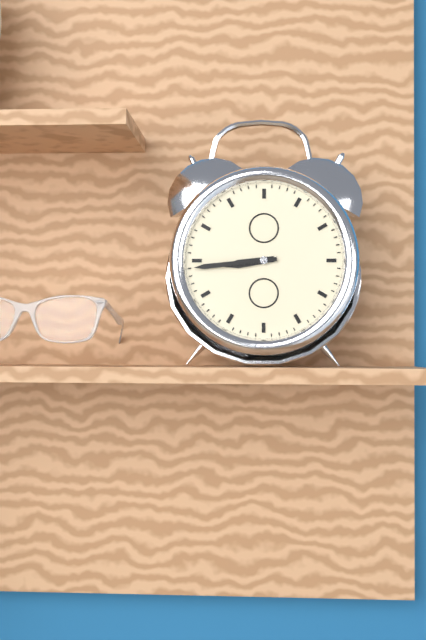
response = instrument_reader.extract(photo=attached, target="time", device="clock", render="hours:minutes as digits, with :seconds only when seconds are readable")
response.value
8:44
